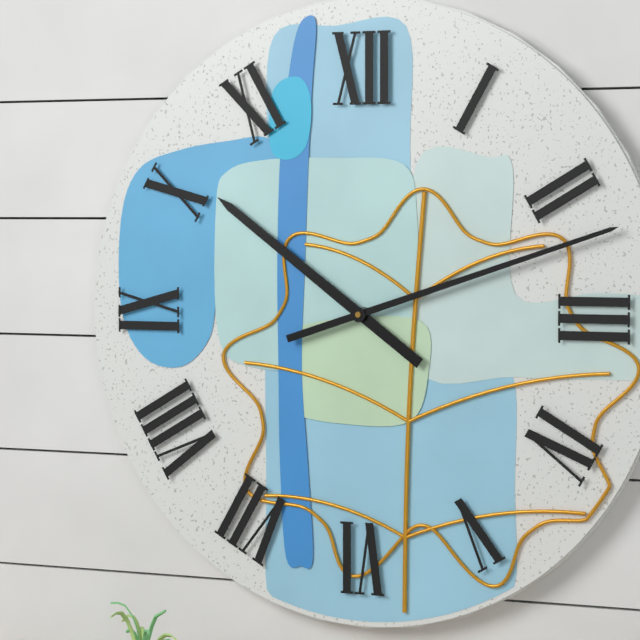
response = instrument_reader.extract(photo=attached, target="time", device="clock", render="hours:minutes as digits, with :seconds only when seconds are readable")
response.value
10:12
